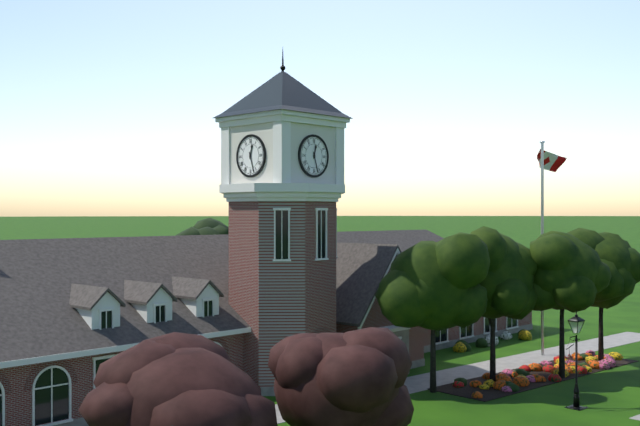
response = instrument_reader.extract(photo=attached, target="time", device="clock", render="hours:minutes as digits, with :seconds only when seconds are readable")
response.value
12:27
